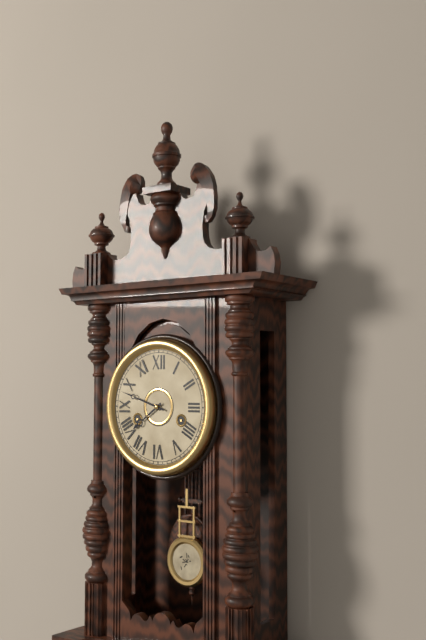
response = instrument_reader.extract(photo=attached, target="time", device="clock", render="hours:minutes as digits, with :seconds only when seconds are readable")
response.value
7:48
